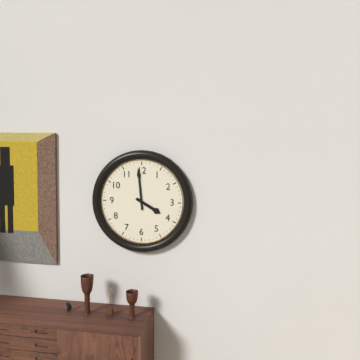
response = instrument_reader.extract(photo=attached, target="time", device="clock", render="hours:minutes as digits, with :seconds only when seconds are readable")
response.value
3:59
